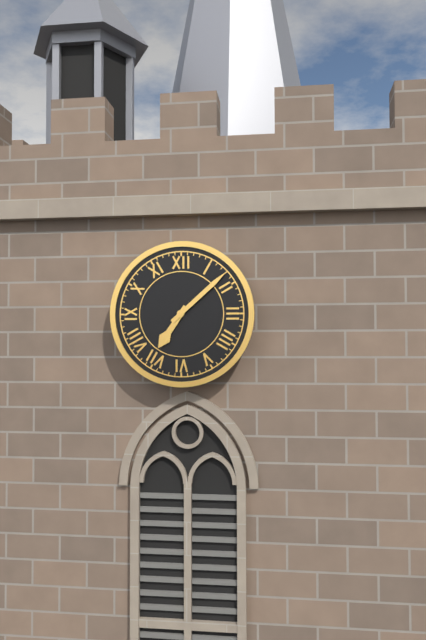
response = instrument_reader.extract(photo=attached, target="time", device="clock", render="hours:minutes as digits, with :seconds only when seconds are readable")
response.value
7:08
